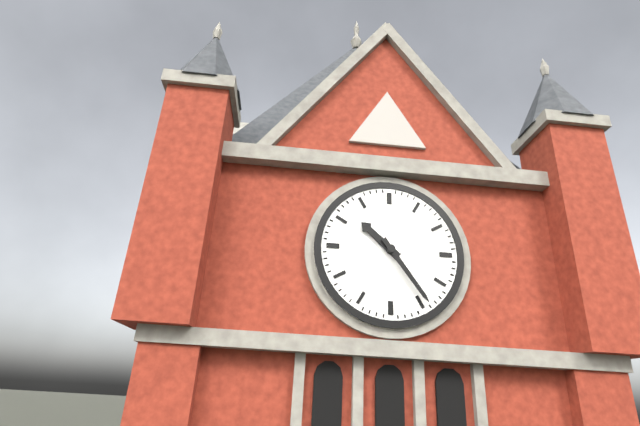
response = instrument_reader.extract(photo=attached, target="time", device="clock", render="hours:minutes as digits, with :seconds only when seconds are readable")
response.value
10:24
